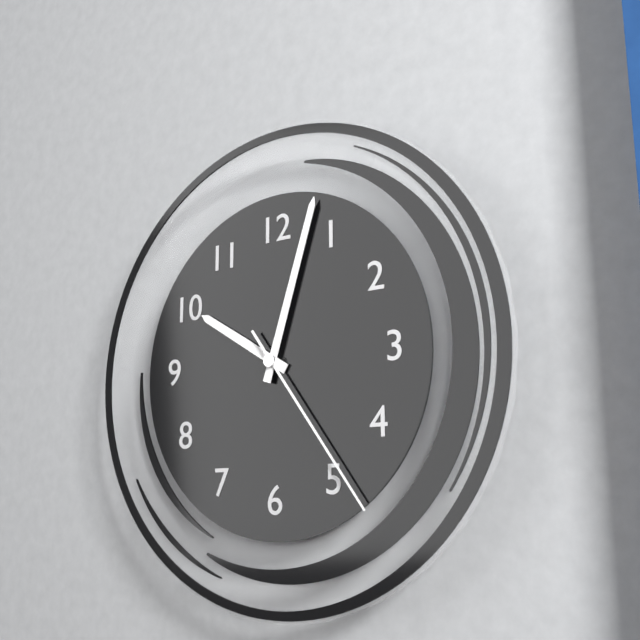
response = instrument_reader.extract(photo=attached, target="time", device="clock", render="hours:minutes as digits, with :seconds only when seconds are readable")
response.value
10:03:24
